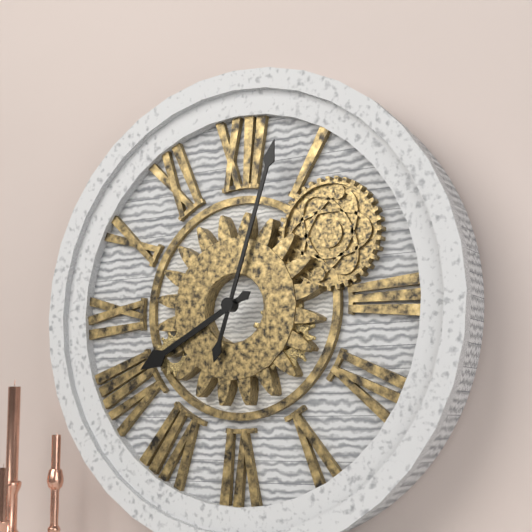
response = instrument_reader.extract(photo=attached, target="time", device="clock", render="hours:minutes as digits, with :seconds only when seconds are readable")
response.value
8:03
